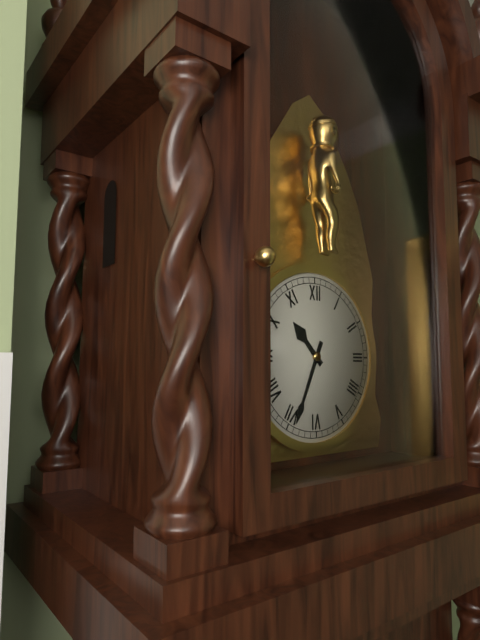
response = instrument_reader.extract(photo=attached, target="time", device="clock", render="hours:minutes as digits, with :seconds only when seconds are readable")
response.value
10:34
